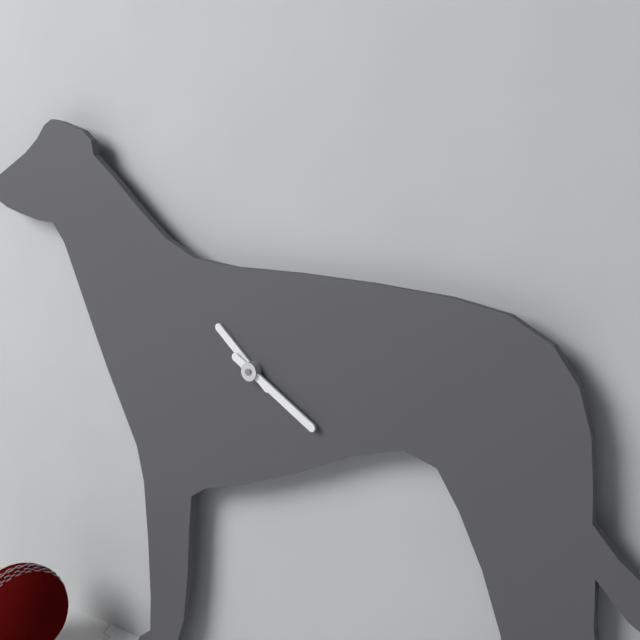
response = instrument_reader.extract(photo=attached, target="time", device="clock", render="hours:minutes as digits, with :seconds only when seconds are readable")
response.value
10:20
